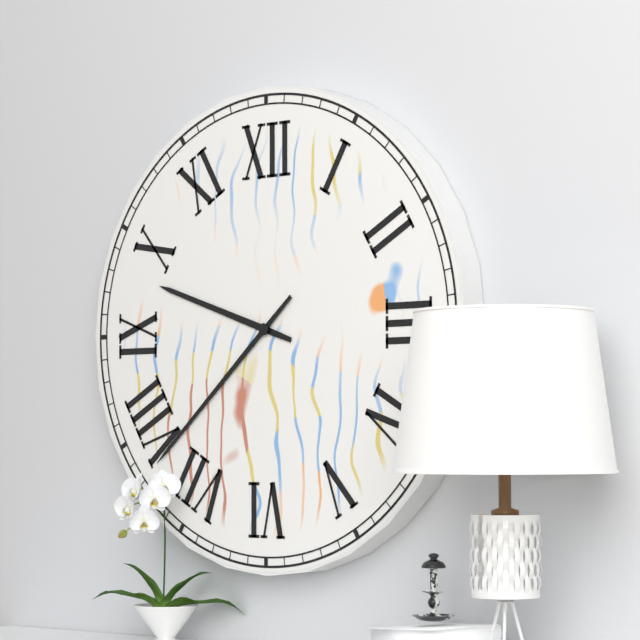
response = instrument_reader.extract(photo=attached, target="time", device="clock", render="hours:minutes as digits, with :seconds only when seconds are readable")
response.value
9:38
